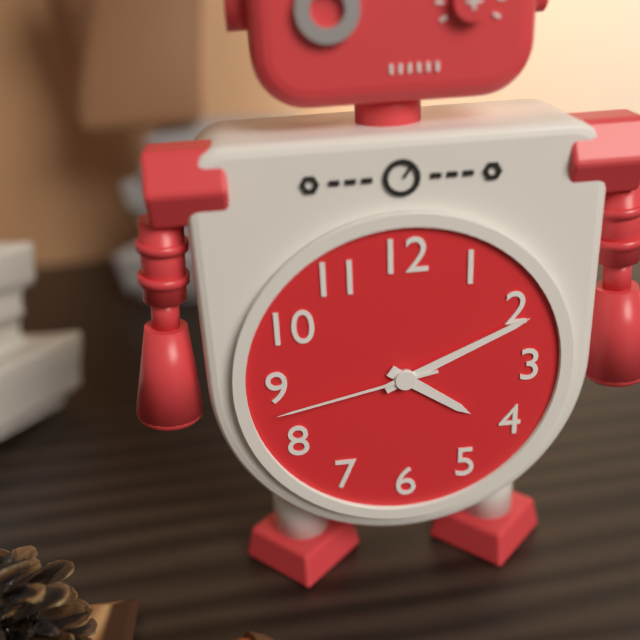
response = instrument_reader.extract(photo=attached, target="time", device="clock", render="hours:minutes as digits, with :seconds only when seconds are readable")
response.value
4:11:43
